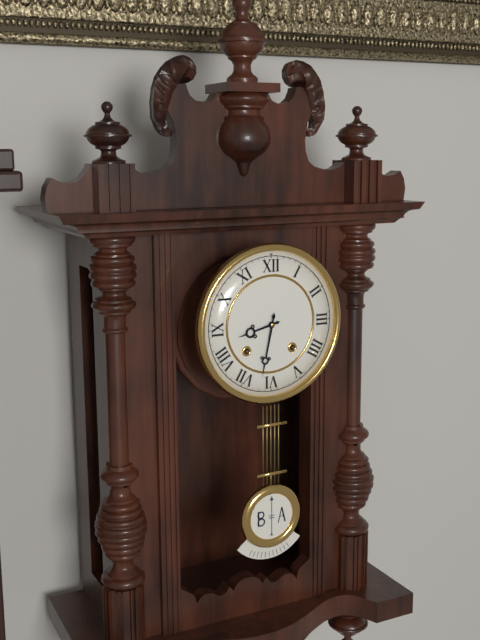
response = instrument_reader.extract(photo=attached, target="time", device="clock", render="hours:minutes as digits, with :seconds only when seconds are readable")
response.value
8:32
